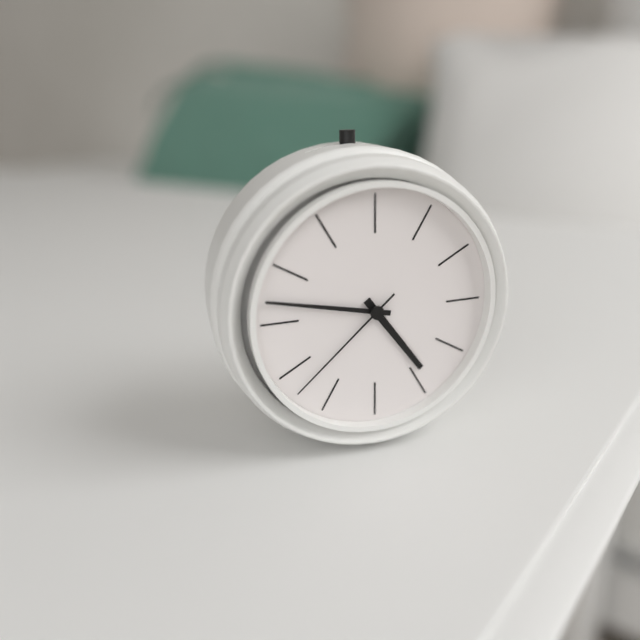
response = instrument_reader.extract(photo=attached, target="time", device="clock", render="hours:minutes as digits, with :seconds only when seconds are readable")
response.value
4:47:38
